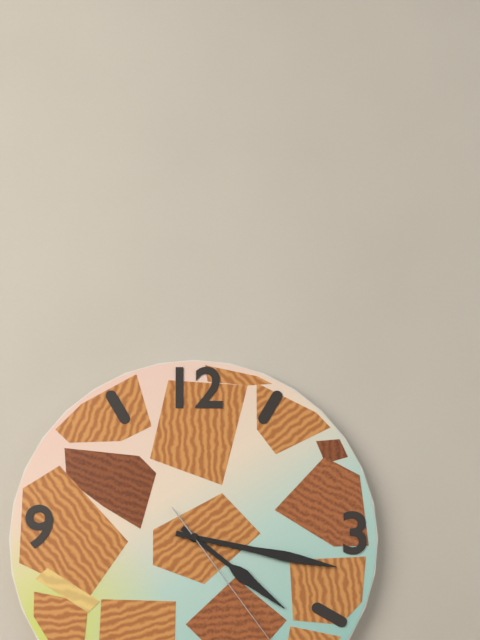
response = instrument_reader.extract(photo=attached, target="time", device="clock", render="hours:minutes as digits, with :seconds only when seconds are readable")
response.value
4:17:24
